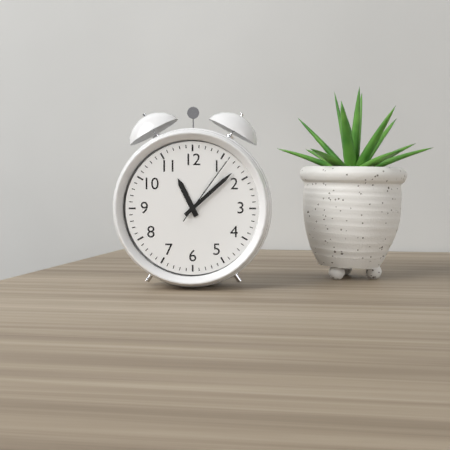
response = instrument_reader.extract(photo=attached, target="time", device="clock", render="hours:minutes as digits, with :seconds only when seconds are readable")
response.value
11:08:06
